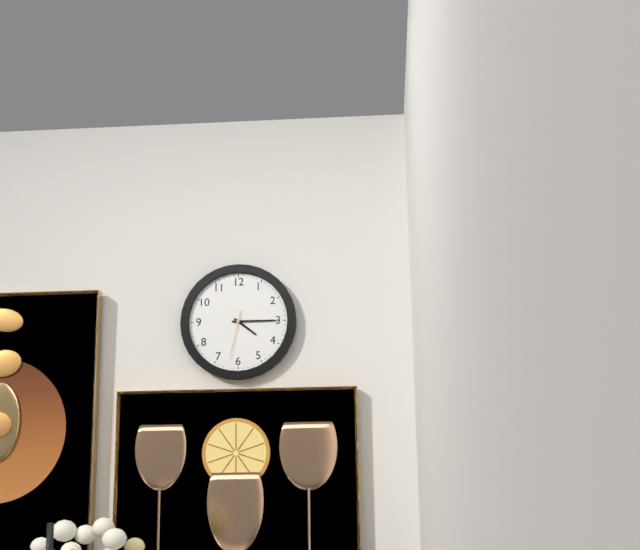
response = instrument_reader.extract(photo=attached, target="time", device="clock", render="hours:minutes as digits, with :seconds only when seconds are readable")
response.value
4:15:32
